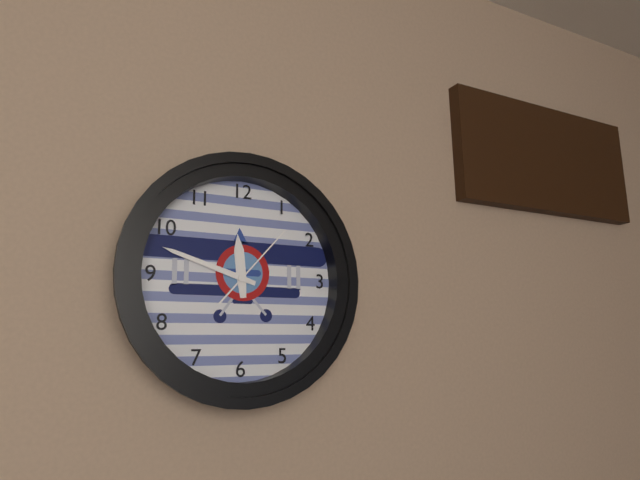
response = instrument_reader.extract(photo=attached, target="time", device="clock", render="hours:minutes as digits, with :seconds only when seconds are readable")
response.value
11:48:07
